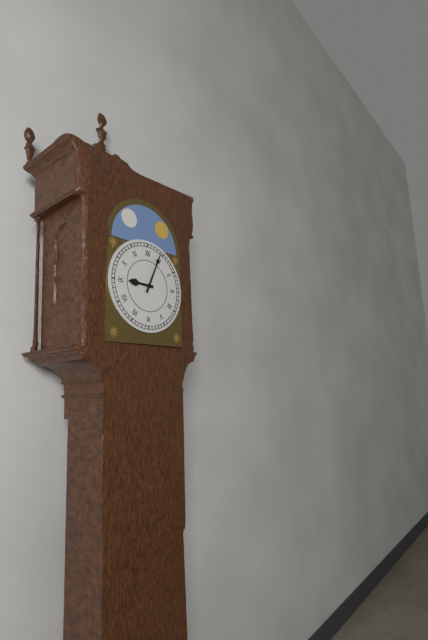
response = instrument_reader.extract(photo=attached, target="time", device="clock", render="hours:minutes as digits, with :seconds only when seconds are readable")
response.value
9:04
